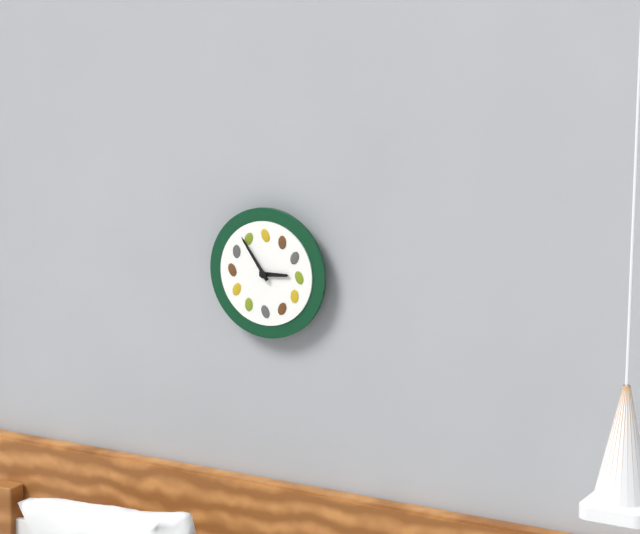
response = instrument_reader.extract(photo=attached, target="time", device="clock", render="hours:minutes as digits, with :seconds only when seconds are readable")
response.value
2:54
